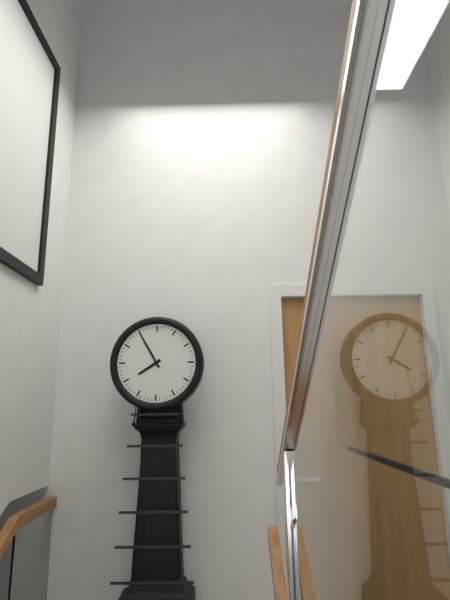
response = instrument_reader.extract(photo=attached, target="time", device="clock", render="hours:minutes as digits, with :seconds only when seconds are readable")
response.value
7:55
